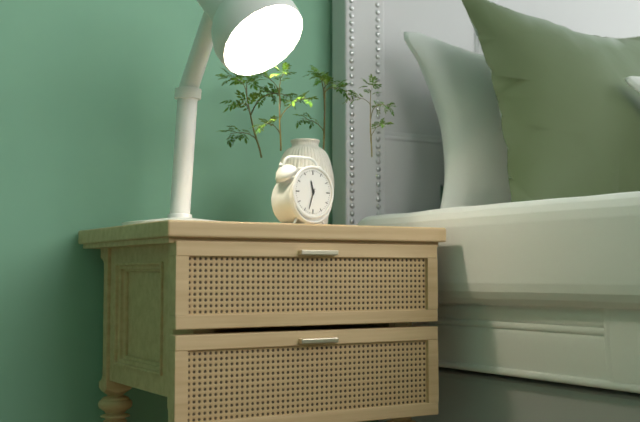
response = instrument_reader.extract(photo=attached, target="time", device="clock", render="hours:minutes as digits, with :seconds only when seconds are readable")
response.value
11:33
